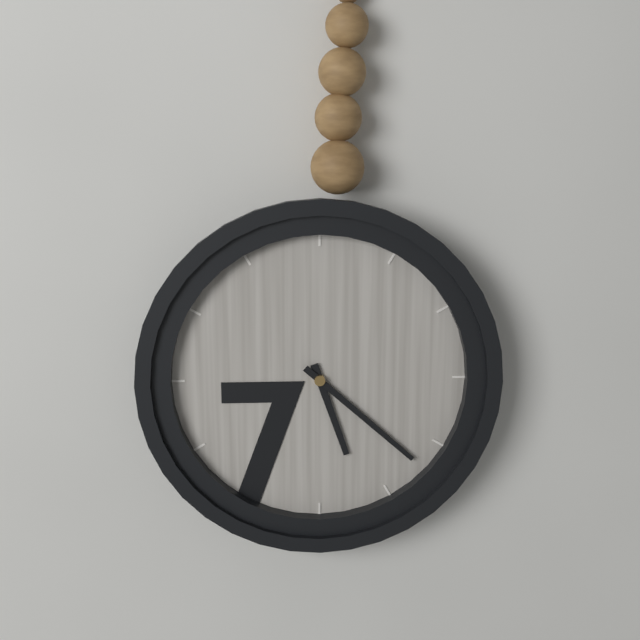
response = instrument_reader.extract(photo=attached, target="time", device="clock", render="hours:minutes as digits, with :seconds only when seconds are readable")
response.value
5:22
